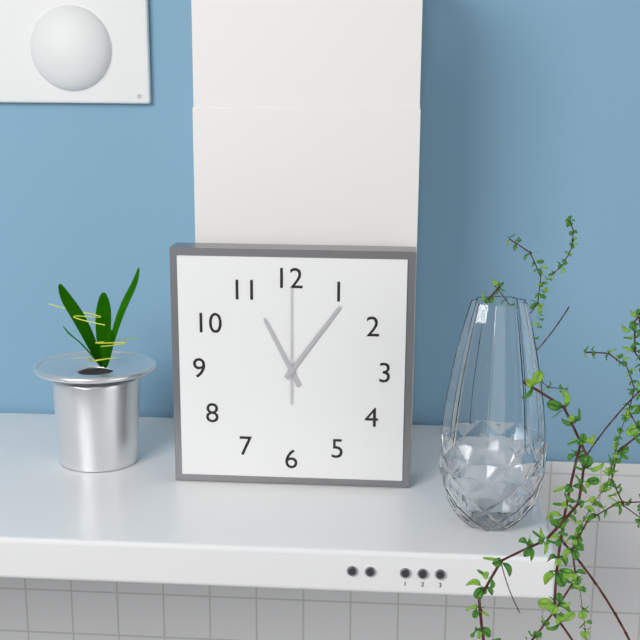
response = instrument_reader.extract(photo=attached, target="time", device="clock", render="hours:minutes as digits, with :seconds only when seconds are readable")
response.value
11:06:00
